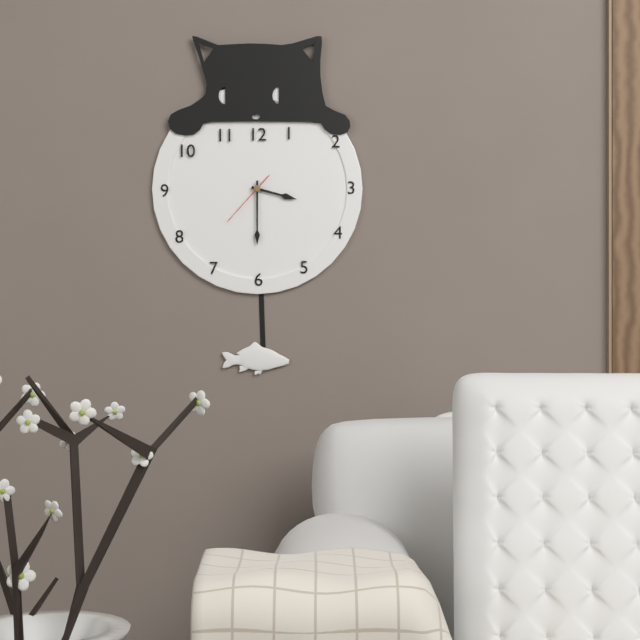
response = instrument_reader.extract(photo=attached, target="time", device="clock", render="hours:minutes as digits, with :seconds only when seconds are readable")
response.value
3:30:37
